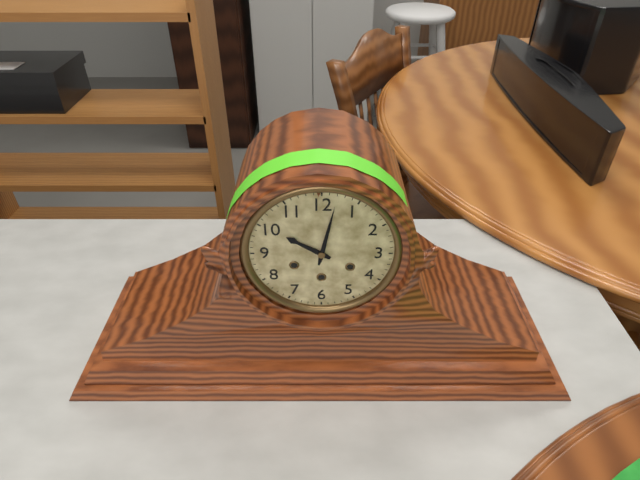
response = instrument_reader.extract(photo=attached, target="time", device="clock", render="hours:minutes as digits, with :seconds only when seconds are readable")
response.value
10:02
